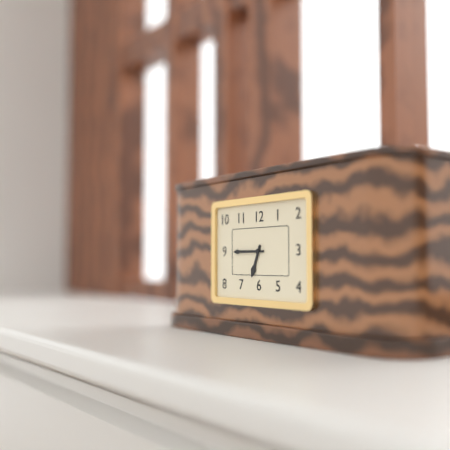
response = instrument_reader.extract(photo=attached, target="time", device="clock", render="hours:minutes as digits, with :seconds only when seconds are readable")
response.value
6:45
